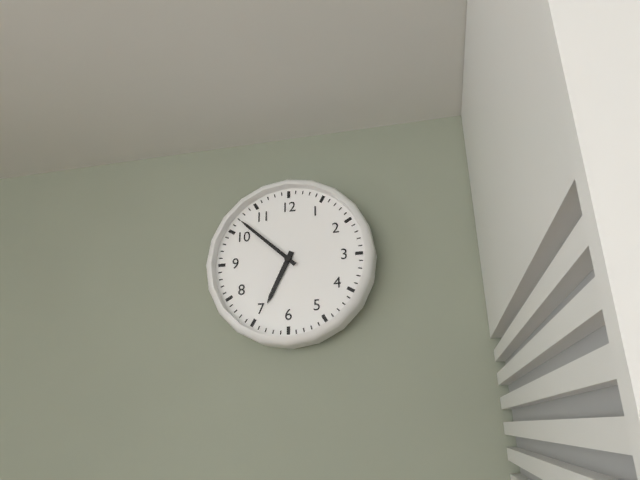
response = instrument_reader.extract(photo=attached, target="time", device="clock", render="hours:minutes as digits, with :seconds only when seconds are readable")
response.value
6:52
